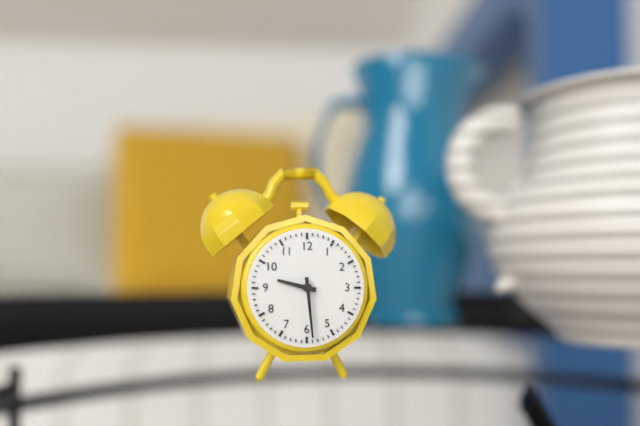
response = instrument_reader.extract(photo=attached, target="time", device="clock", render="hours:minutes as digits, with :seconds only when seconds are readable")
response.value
9:29
